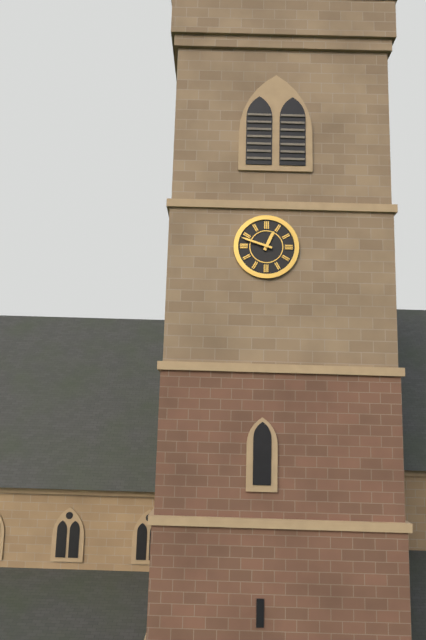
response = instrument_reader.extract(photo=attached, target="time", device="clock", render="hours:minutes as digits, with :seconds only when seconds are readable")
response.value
12:48
